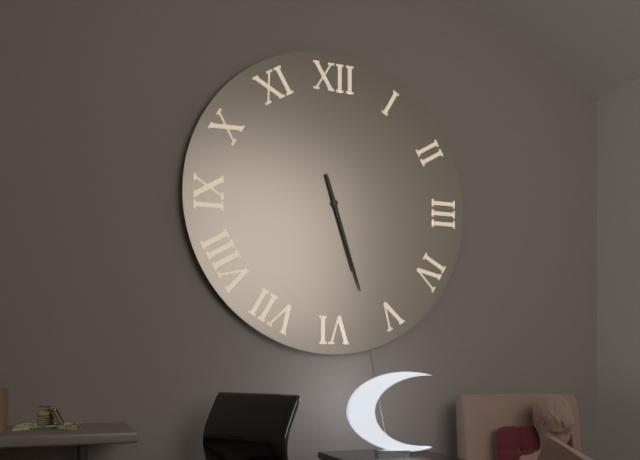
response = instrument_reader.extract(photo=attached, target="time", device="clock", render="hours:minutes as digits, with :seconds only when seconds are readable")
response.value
5:27
